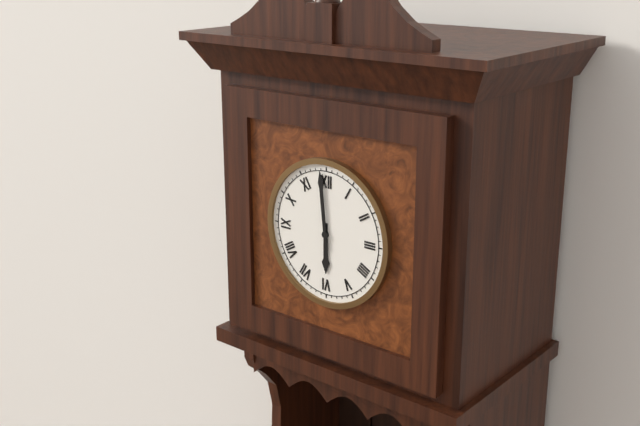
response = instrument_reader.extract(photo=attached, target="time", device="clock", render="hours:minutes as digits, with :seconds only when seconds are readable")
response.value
5:59
